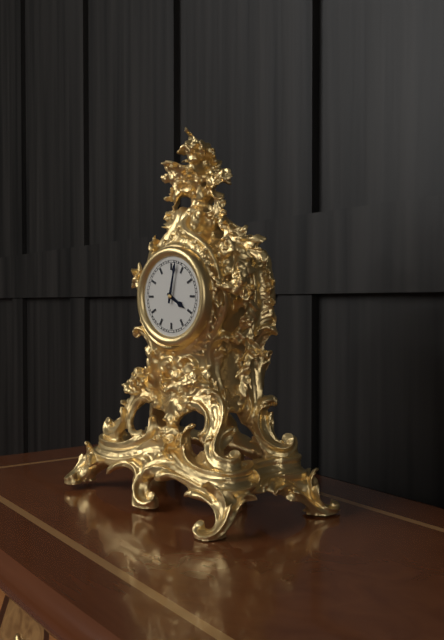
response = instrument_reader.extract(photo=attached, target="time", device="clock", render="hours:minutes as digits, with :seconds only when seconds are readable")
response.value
4:02
